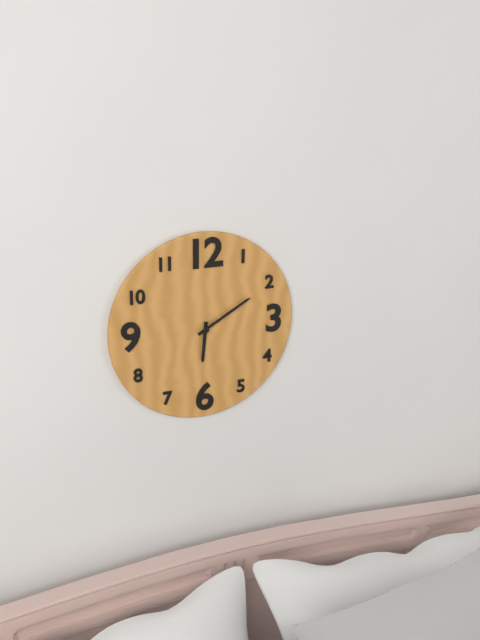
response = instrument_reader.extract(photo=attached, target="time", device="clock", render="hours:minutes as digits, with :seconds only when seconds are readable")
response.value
6:10
